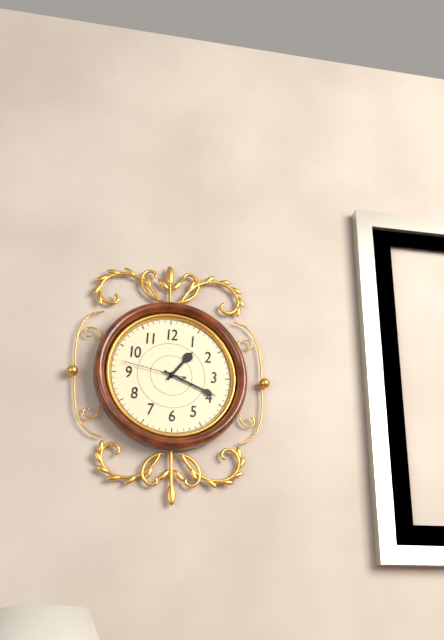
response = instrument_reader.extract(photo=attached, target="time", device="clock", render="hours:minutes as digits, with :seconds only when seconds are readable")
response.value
1:19:47
